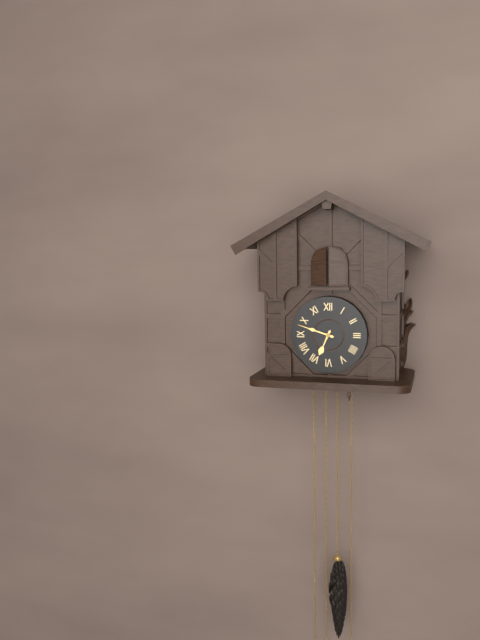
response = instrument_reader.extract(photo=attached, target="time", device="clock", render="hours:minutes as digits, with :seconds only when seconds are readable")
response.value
6:48
